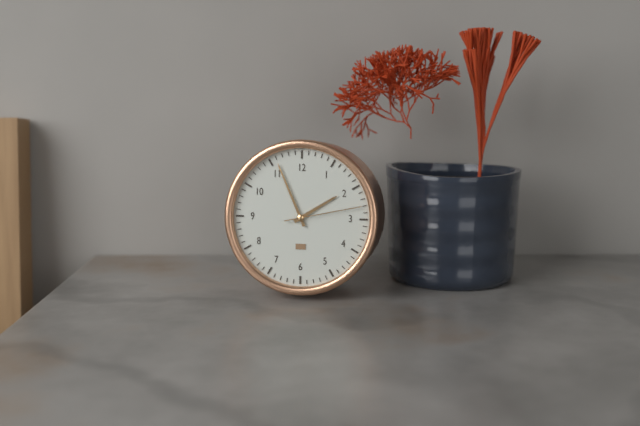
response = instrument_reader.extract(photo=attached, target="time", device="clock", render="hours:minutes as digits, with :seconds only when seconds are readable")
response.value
1:56:13
